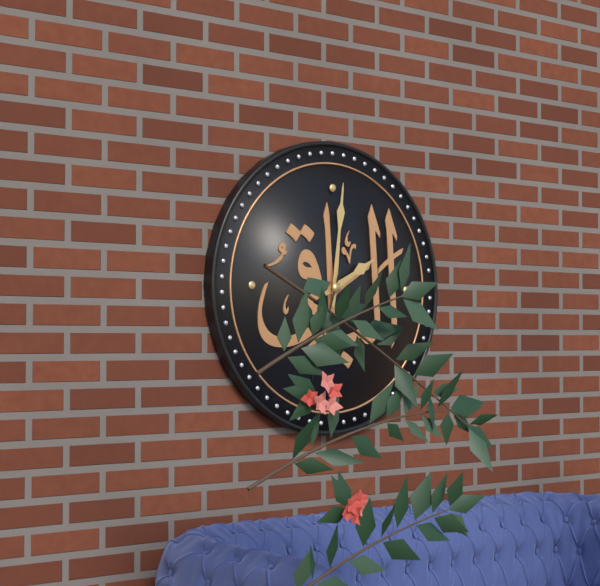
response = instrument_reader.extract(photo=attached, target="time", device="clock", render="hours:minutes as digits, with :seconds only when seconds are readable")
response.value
2:01
